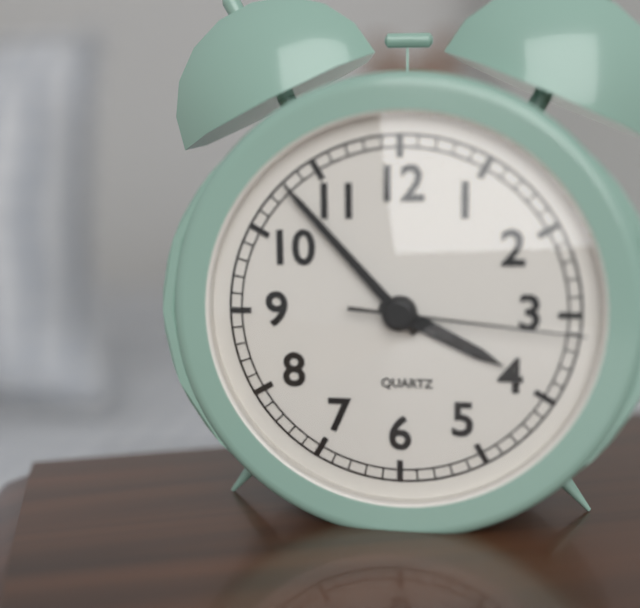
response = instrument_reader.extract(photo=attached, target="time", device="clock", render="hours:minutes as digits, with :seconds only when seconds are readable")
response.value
3:53:16
